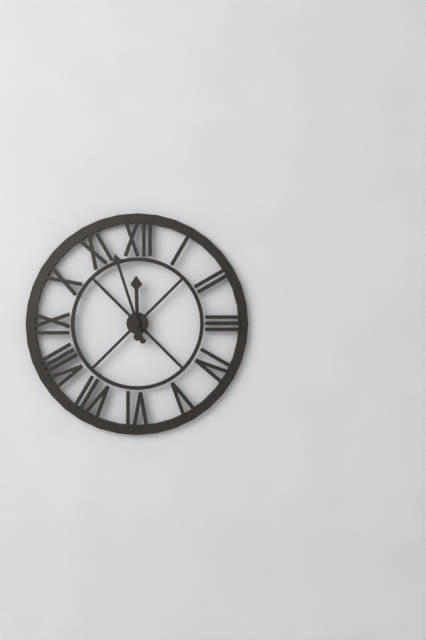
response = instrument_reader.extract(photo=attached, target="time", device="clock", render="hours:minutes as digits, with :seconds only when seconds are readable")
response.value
11:57
